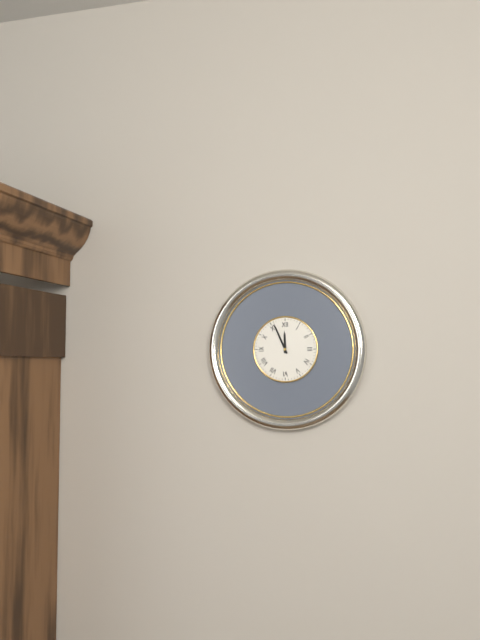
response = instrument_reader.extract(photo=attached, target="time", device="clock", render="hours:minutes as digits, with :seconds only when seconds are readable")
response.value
11:56
